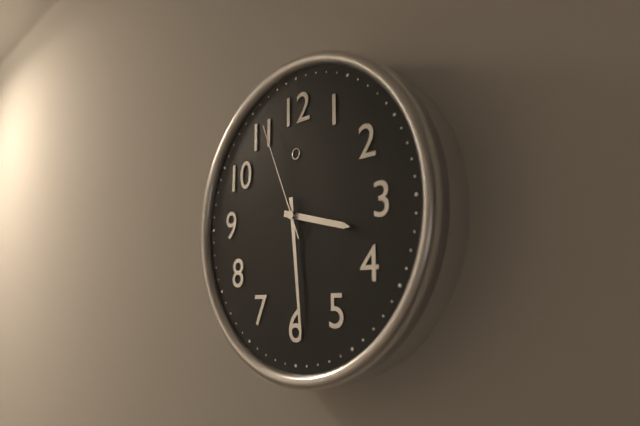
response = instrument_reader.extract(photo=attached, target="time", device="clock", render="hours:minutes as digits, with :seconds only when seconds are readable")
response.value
3:29:56
